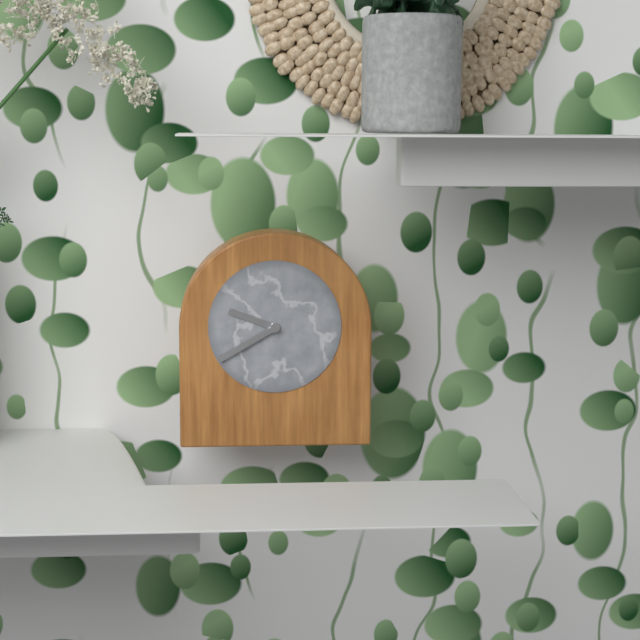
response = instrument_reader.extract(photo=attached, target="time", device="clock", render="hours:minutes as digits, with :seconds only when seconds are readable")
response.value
9:40
